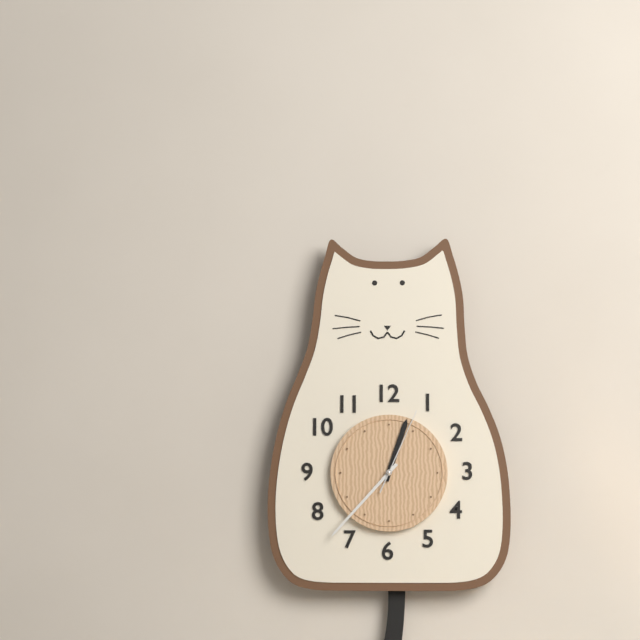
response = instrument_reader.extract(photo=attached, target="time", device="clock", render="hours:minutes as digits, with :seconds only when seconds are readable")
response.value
12:37:04
